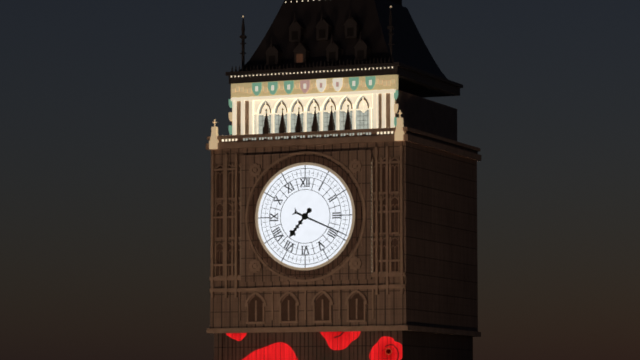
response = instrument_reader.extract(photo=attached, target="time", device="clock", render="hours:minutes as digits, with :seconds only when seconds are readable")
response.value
7:19
